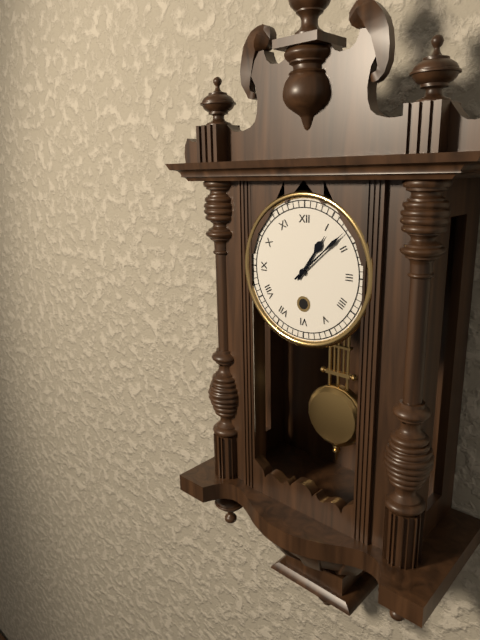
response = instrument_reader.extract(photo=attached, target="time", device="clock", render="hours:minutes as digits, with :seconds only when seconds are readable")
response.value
1:08
